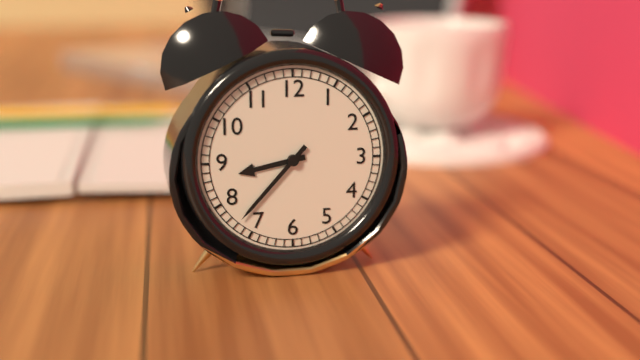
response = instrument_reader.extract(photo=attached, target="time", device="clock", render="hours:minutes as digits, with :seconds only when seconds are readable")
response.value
8:37
